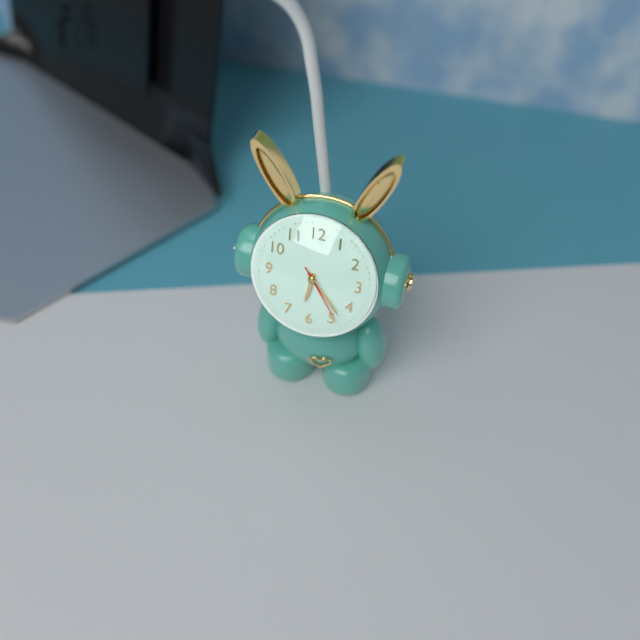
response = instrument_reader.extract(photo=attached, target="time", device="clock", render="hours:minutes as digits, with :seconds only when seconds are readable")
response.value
6:23:24
